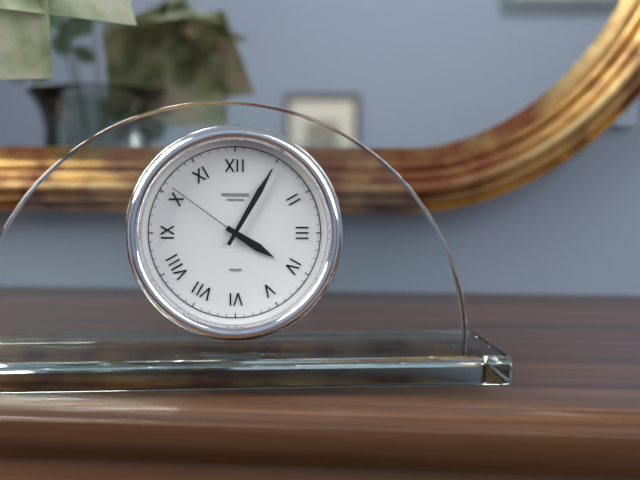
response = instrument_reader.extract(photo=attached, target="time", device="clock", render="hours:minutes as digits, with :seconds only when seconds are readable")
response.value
4:05:51
